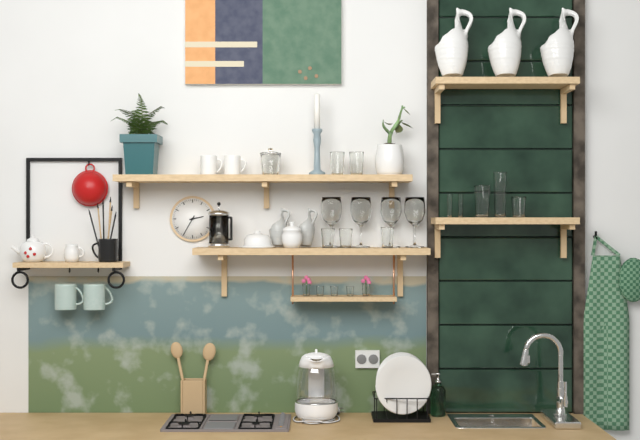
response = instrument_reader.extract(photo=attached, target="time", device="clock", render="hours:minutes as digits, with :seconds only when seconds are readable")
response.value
2:35
